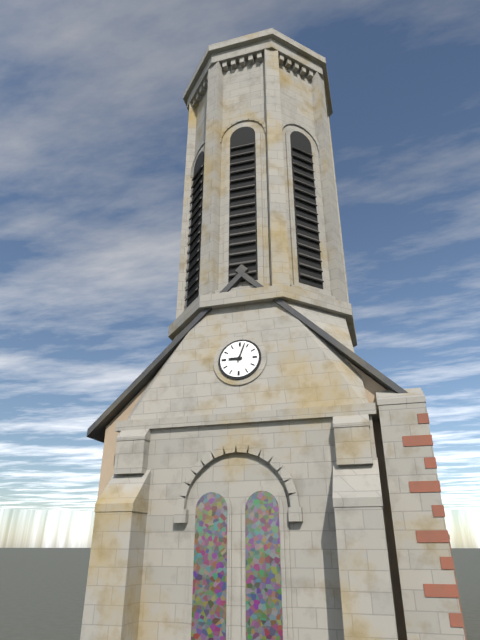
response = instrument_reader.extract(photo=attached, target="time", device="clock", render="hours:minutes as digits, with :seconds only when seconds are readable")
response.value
9:03
